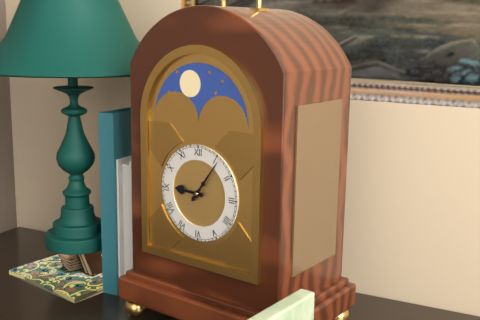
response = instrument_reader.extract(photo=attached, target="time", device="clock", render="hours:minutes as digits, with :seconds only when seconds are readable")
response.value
9:06
